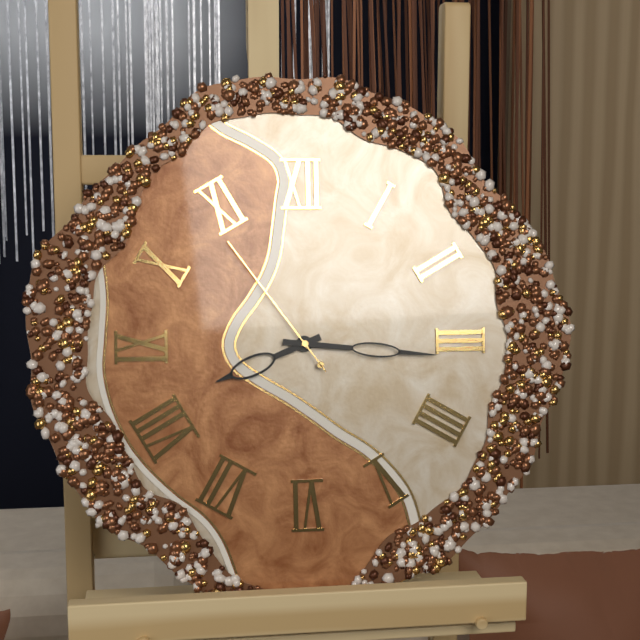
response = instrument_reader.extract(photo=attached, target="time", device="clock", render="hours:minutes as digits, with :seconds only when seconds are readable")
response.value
8:16:54
